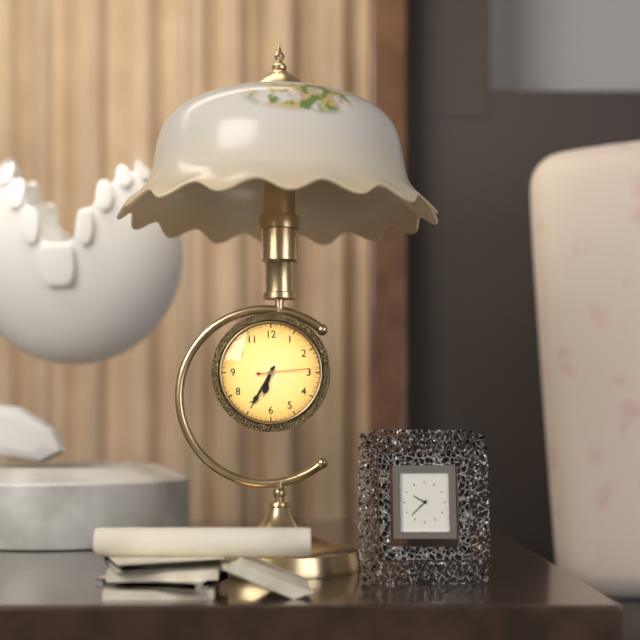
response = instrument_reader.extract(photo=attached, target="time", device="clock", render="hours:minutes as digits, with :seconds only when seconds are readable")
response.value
6:35
